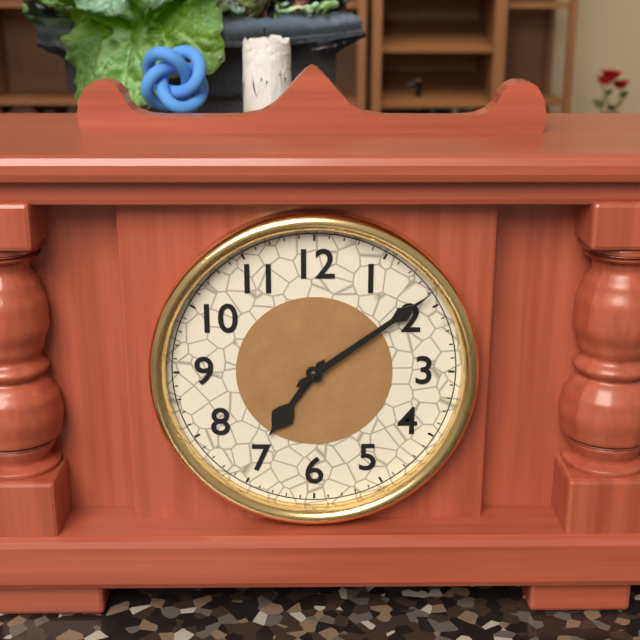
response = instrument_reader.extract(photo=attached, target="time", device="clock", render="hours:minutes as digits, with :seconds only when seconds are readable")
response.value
7:09
